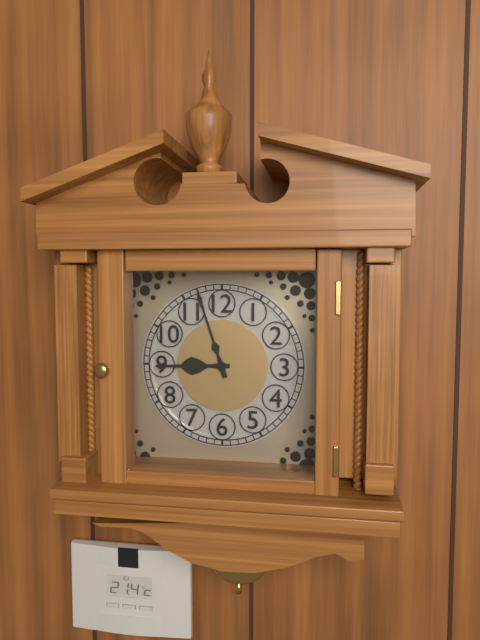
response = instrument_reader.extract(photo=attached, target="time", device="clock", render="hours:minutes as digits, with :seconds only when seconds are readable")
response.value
8:57
